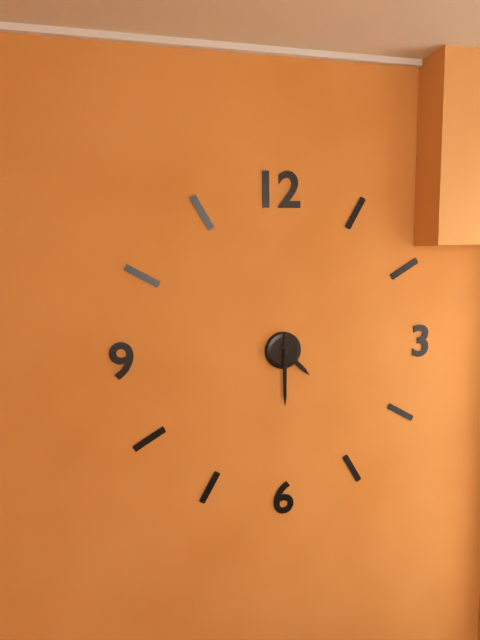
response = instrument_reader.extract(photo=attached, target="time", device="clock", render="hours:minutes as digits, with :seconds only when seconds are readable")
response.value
4:30:30
